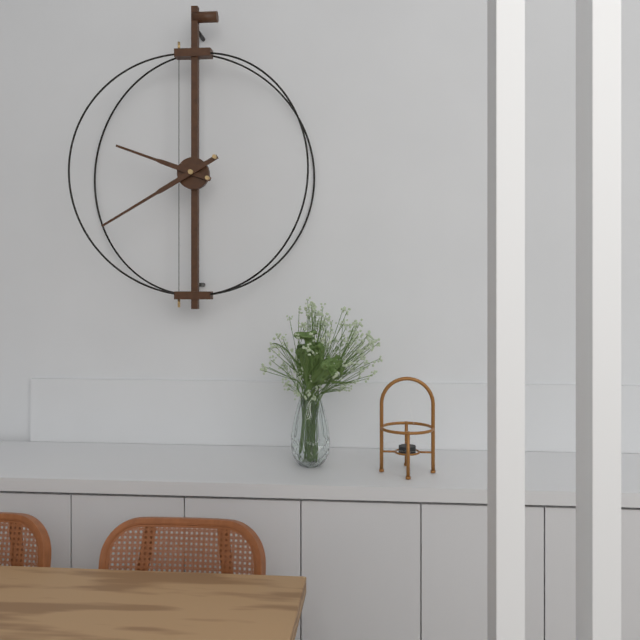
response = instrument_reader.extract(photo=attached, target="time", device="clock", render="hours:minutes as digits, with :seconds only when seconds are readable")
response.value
9:40
